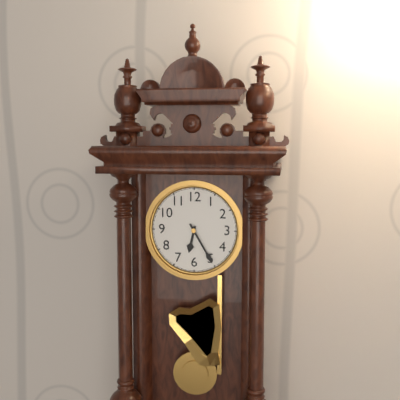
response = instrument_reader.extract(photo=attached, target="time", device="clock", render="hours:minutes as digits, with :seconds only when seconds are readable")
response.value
6:25
